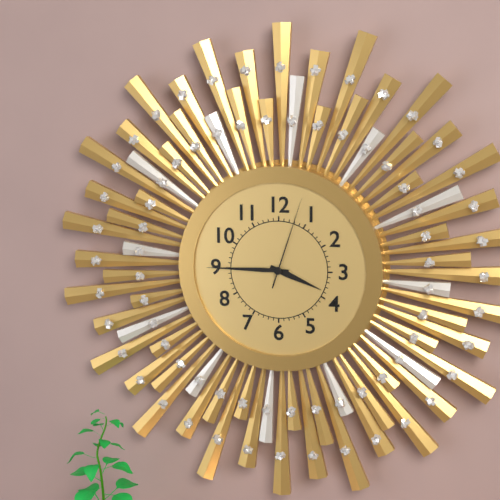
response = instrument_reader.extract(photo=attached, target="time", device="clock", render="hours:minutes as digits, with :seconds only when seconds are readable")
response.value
3:45:03
